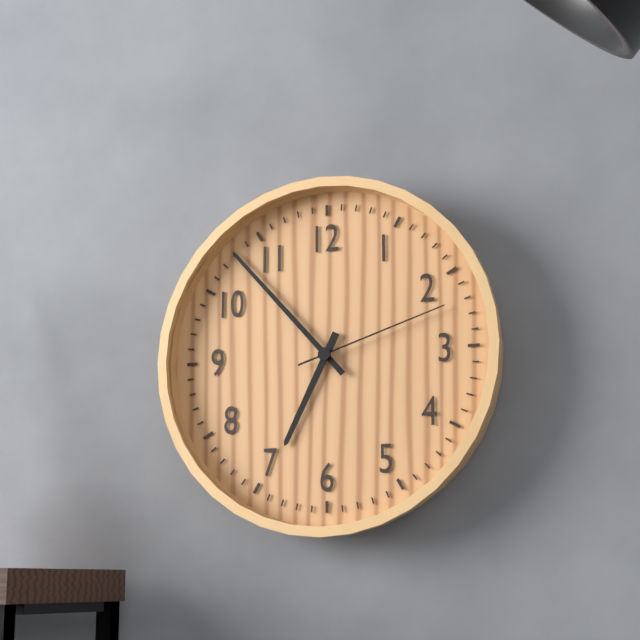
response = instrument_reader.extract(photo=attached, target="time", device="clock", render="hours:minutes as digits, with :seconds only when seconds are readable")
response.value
6:53:12
